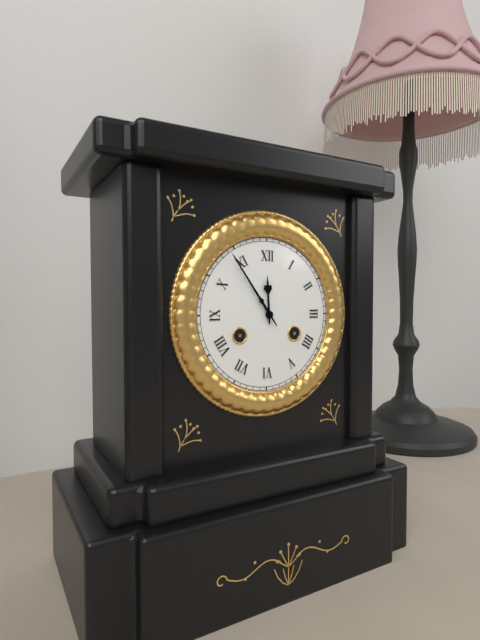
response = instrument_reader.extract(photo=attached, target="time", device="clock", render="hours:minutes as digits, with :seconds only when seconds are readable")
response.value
11:54
